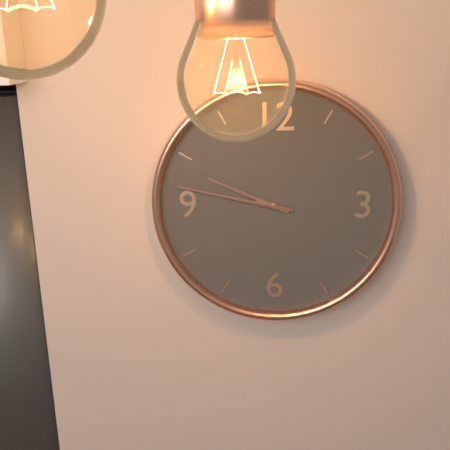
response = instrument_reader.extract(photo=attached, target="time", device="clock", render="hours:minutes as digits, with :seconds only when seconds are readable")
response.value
9:47
